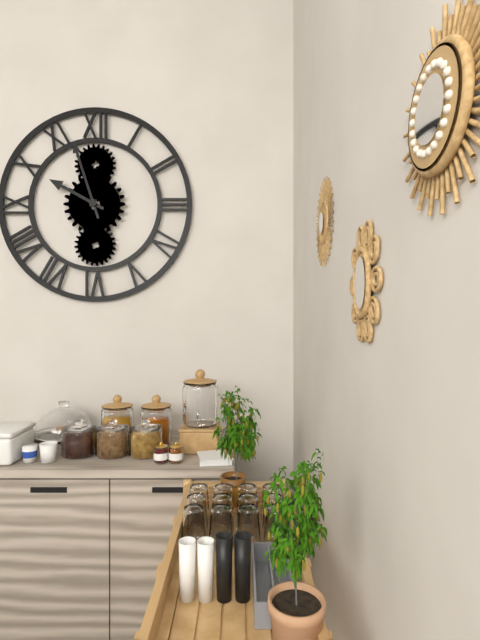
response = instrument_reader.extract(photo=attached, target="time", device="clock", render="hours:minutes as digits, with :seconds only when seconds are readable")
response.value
9:57
